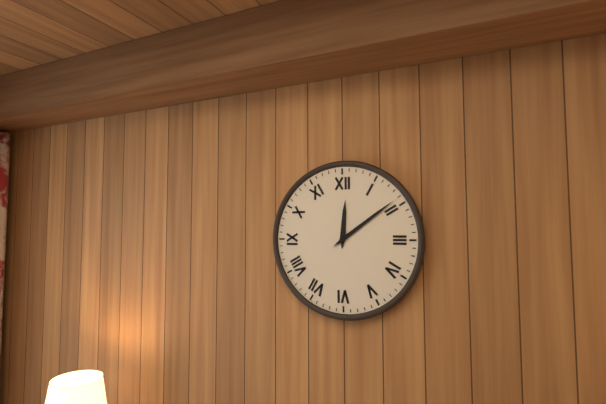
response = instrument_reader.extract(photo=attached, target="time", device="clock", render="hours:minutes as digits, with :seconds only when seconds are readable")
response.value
12:09
